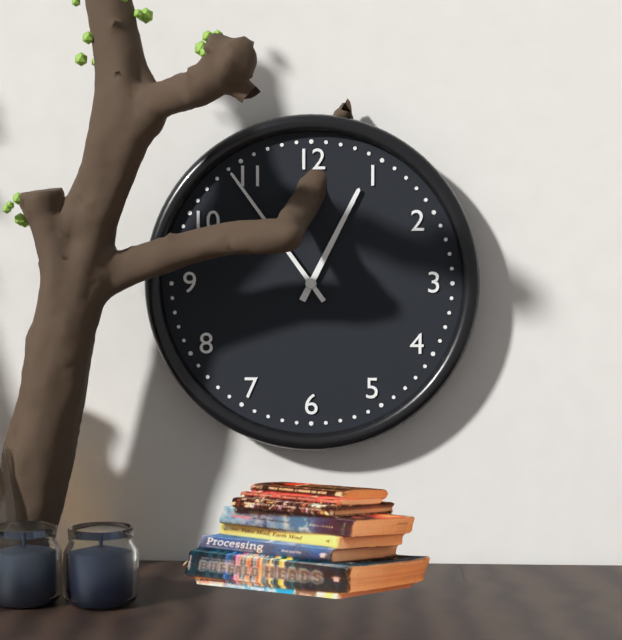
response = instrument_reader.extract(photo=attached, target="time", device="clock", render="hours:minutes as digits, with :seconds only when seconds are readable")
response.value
12:54
